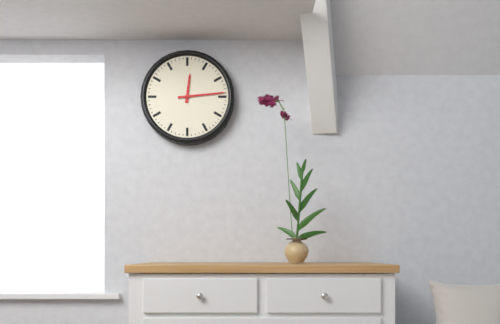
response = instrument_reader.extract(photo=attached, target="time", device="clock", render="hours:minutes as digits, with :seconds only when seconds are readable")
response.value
12:14
